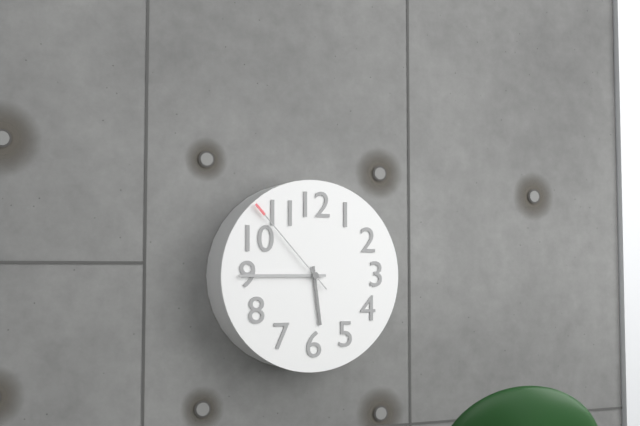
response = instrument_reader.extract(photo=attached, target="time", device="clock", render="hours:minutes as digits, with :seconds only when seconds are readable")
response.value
5:45:53
